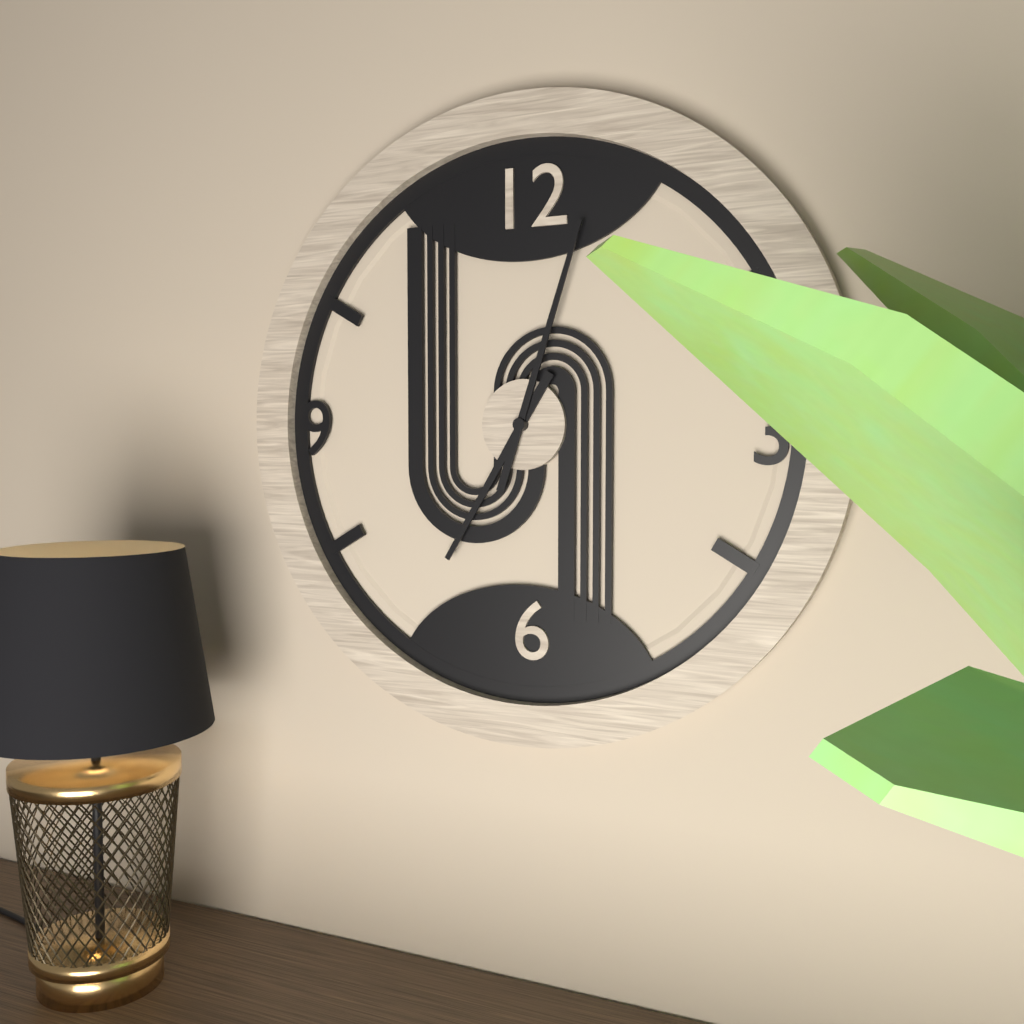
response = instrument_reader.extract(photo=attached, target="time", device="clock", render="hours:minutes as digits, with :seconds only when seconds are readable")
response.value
7:03
